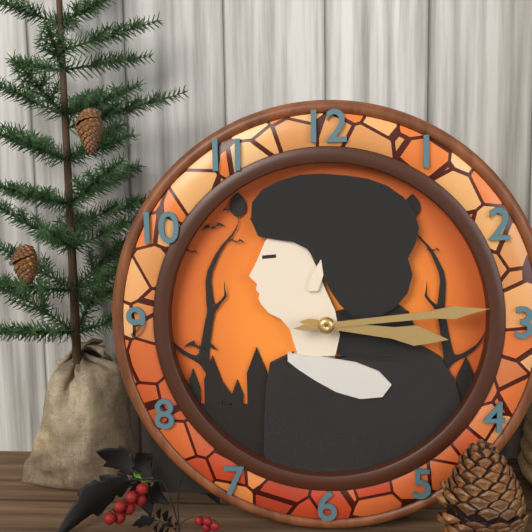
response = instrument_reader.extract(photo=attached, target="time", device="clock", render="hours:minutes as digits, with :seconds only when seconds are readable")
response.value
3:14
